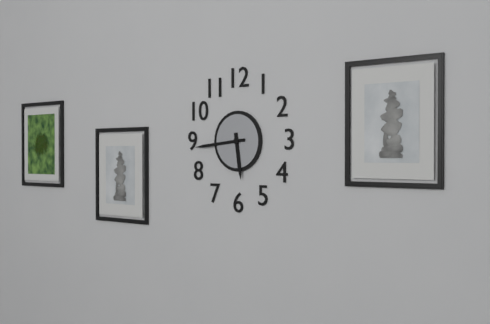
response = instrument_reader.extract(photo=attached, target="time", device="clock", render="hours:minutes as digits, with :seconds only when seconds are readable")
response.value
5:44
